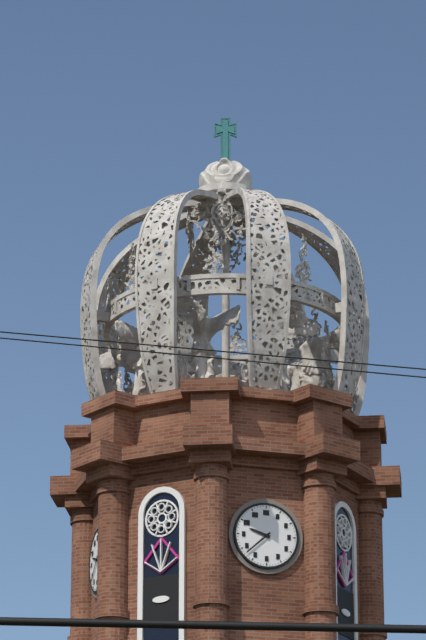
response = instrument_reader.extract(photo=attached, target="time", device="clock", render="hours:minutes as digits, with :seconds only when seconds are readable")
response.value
9:38
